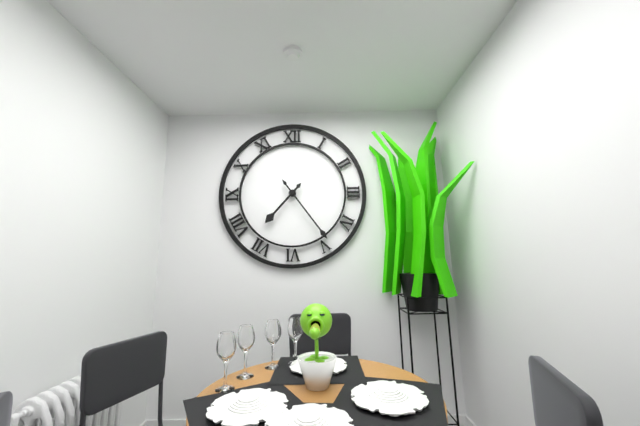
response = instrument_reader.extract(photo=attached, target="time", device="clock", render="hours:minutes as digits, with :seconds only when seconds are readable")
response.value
7:24
